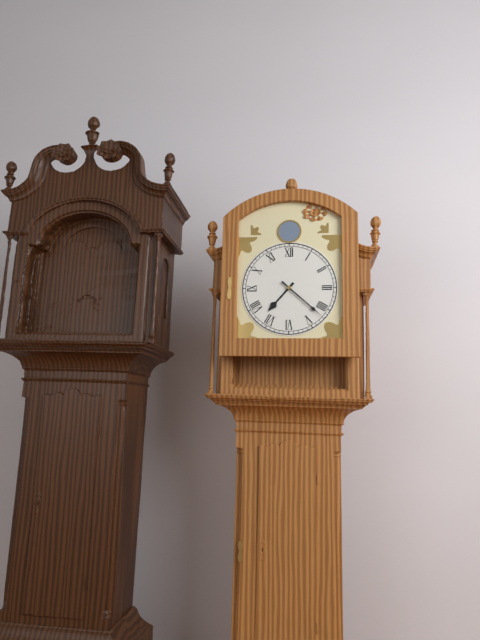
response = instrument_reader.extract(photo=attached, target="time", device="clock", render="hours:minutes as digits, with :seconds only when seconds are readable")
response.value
7:22
